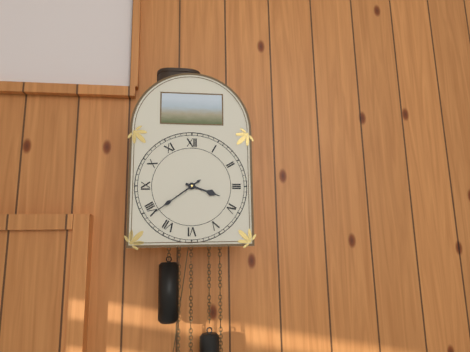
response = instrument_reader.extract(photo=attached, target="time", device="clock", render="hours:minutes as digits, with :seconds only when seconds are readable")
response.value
3:39
